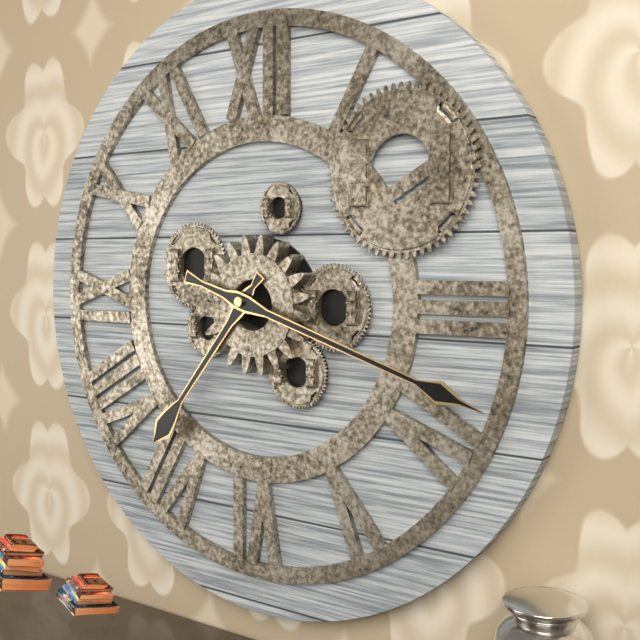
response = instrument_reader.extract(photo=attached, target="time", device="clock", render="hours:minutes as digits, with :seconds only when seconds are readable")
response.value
7:18
